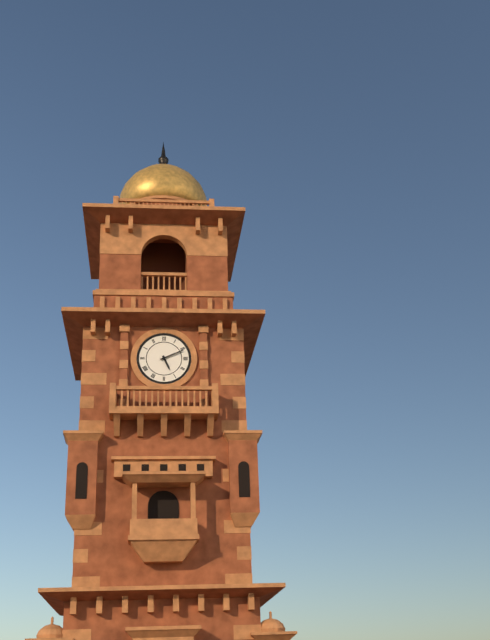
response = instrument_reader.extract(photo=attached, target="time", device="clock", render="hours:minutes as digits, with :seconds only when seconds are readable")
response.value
5:11
